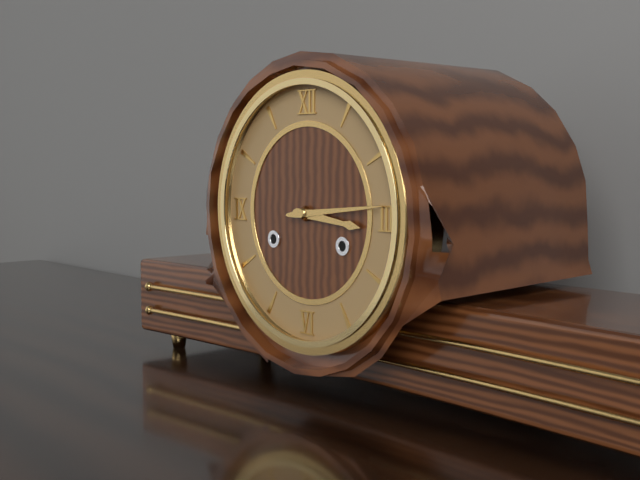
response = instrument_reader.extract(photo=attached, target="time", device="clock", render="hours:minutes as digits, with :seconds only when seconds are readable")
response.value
3:14
